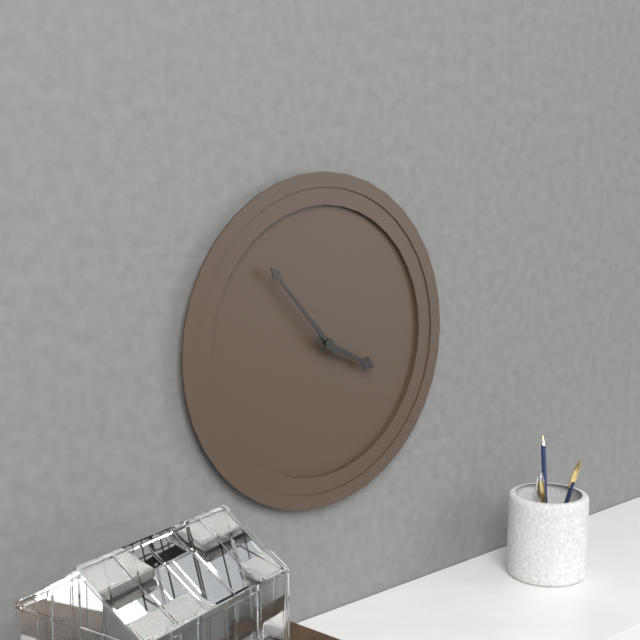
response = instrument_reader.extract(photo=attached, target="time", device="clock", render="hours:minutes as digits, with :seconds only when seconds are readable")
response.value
3:53
